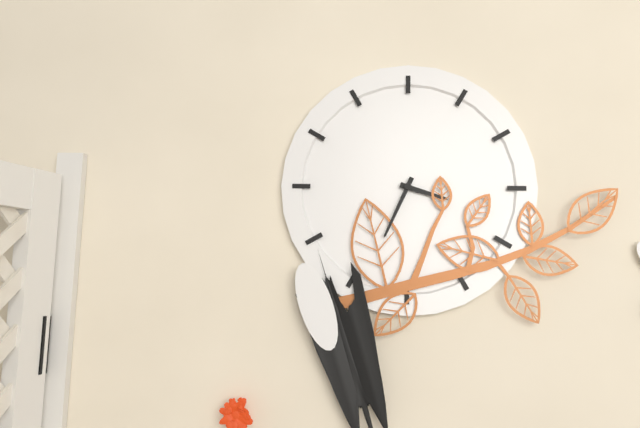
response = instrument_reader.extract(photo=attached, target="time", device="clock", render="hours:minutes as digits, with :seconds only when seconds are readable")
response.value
3:34
